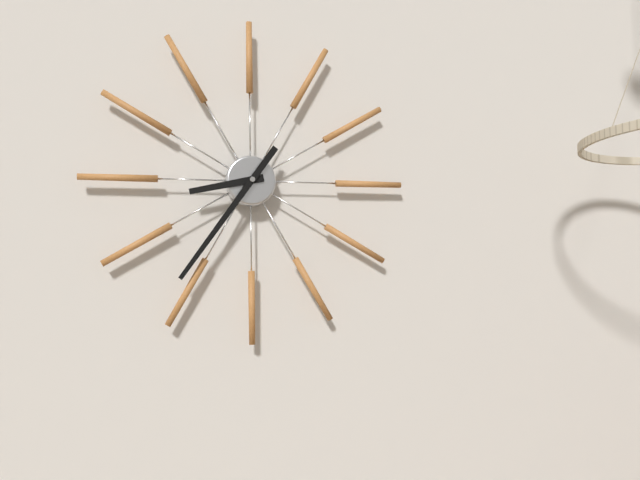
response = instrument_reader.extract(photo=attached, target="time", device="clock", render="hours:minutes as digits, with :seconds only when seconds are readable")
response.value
8:36
